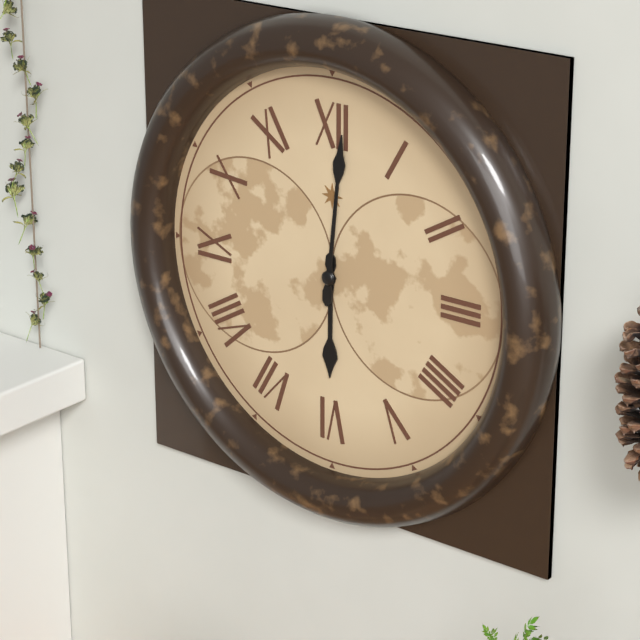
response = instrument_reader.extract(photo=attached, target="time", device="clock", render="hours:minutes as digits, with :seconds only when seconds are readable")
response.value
6:01
